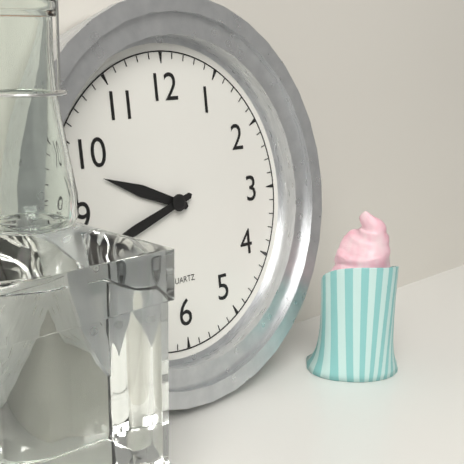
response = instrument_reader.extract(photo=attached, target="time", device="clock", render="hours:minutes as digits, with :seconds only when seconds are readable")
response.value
9:42
